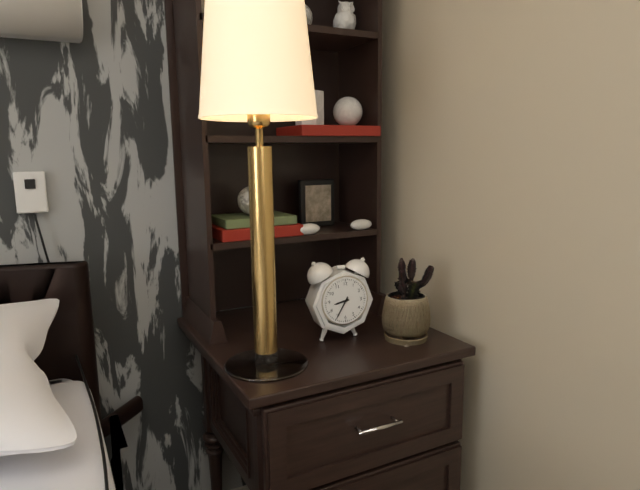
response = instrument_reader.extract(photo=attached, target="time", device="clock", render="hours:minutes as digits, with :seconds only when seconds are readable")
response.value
8:35
